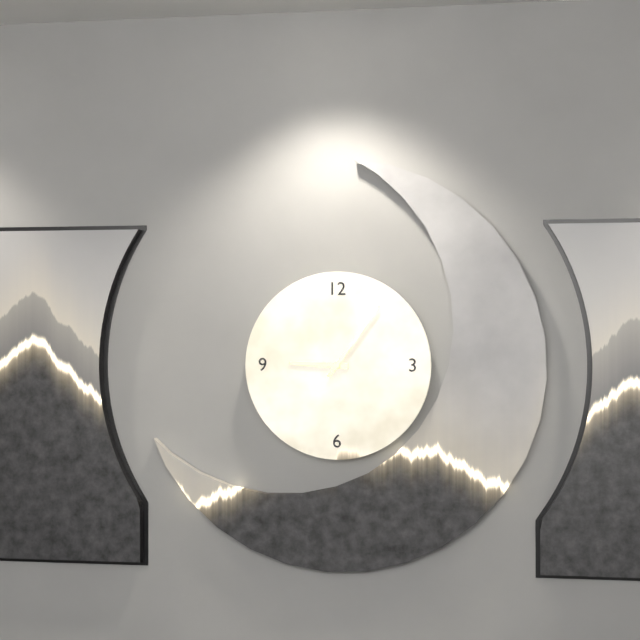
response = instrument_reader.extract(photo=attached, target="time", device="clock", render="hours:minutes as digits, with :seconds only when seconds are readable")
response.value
9:06
